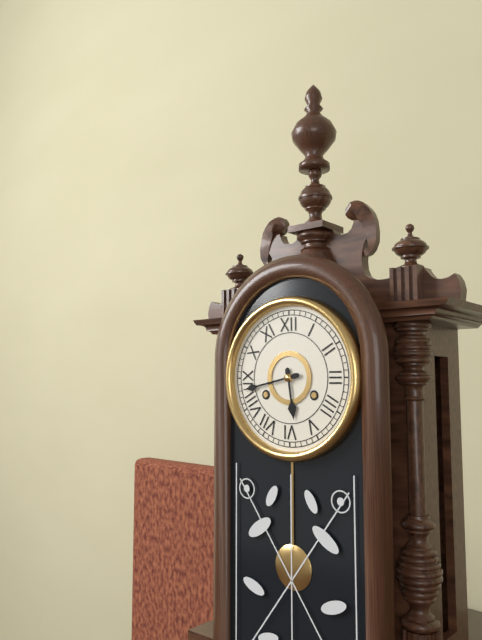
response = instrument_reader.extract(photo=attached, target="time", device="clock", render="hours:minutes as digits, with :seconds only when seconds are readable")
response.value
5:43
